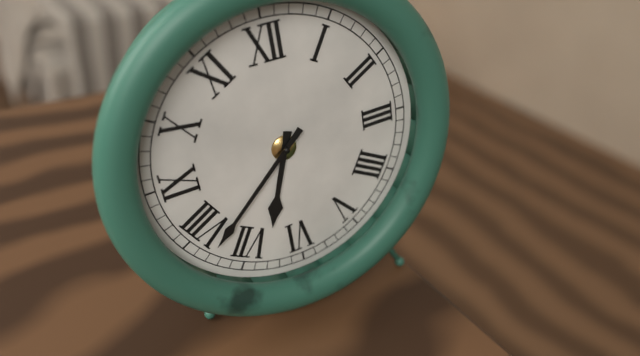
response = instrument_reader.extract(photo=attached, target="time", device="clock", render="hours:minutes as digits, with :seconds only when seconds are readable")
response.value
6:38
